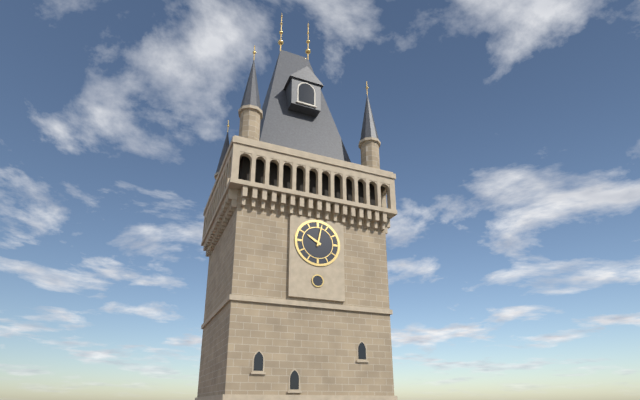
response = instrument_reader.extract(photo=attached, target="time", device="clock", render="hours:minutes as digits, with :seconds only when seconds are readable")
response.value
10:02
